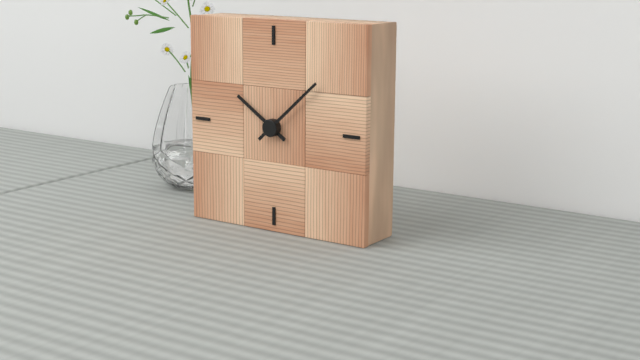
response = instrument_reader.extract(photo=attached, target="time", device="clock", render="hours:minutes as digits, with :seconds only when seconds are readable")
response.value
10:08
